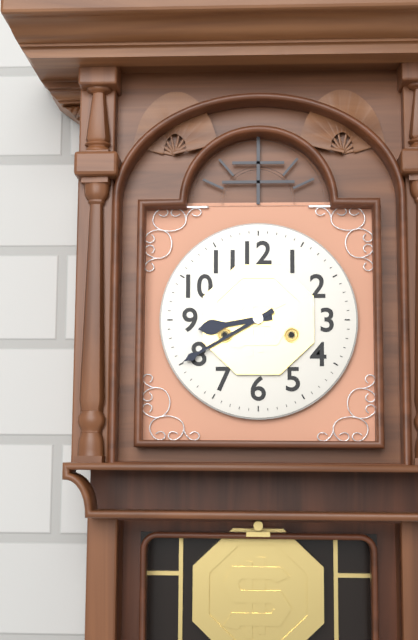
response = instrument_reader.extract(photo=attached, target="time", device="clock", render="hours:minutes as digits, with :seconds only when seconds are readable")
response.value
8:40
